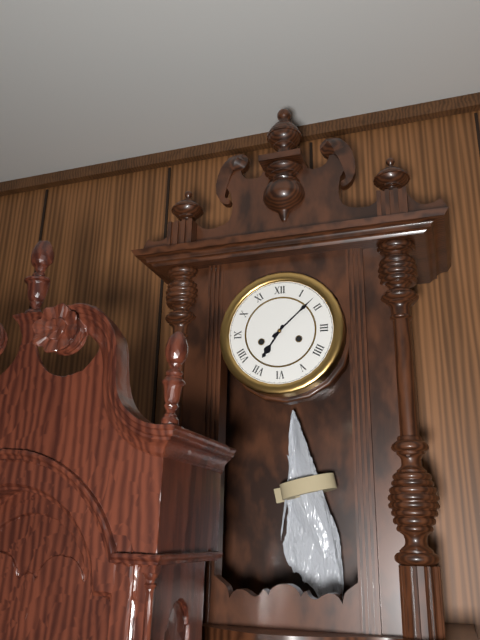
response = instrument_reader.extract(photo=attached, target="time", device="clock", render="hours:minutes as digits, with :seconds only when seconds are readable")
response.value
7:08
